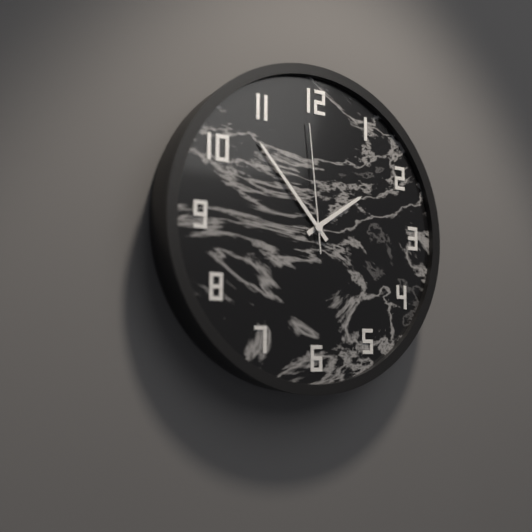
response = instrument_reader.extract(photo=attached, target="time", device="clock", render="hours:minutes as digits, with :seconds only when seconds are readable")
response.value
1:53:59
